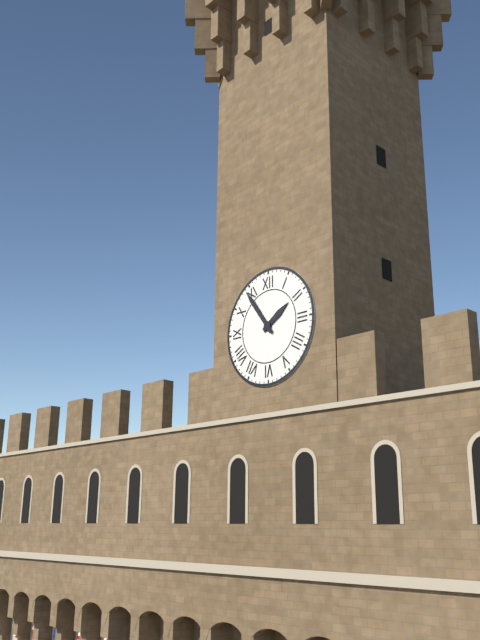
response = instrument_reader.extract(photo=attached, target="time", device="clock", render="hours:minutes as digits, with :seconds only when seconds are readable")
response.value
1:54
